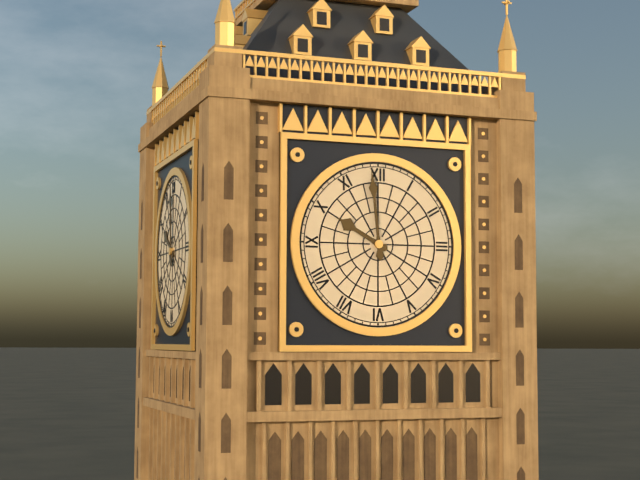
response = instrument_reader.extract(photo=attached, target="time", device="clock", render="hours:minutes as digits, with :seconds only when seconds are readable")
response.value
9:59
